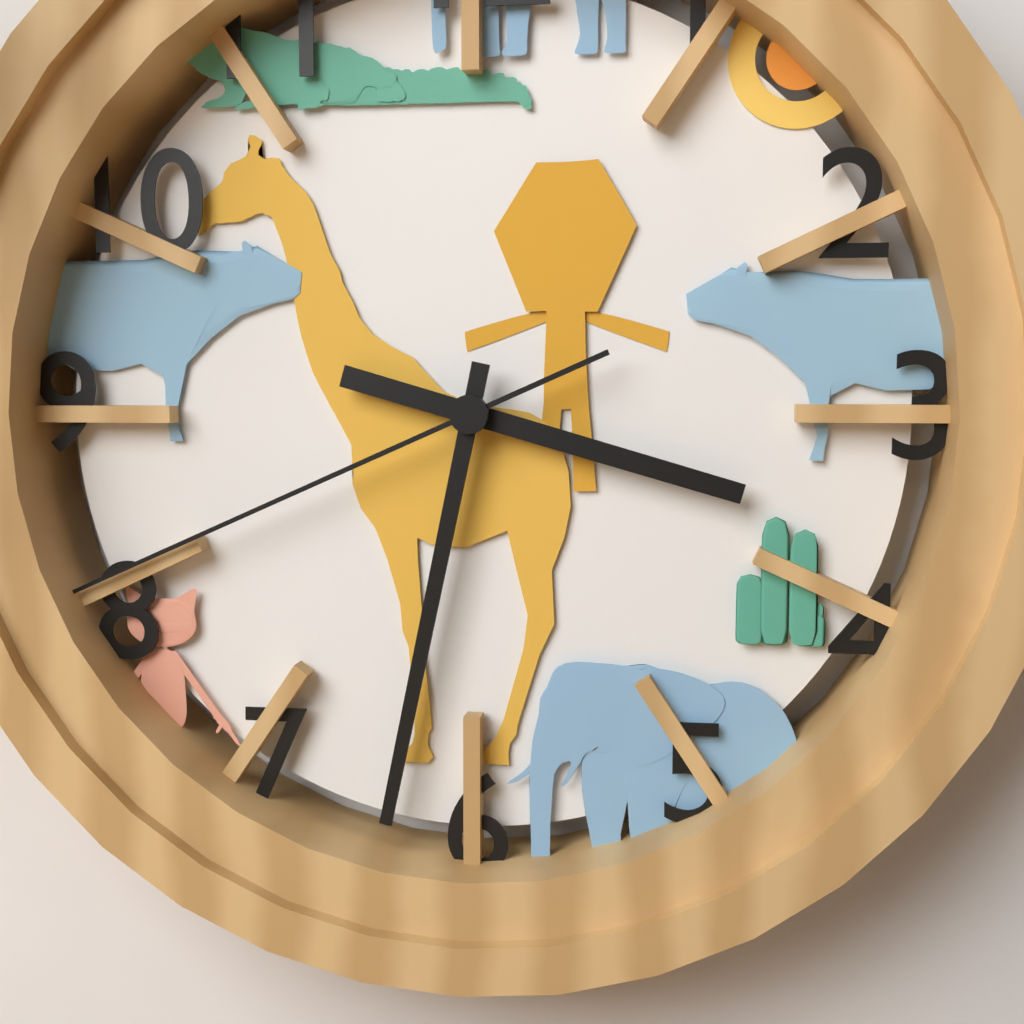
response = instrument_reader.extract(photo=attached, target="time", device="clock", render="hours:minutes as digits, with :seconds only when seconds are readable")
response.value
3:32:41
